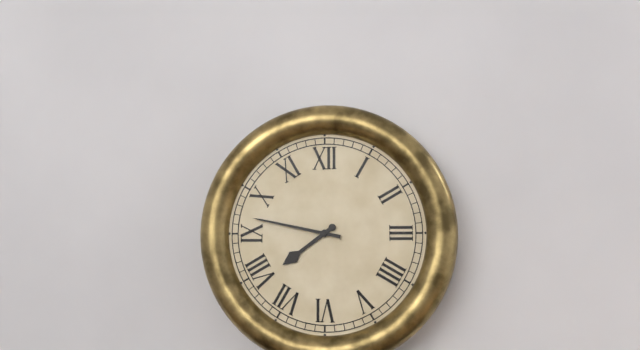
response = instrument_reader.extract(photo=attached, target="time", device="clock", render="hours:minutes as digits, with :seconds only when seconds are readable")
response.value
7:47
